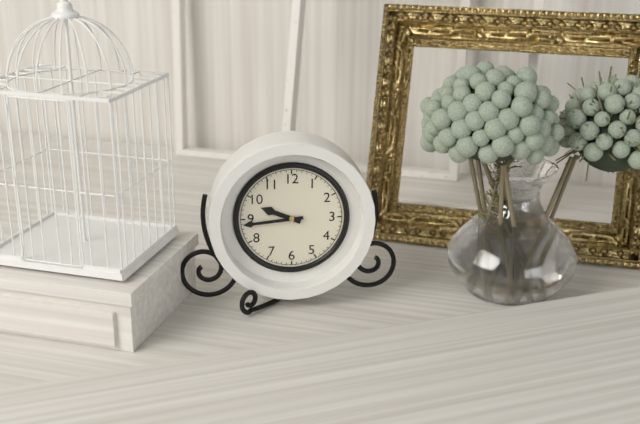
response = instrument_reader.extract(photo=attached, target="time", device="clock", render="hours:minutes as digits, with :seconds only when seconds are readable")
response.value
9:44
